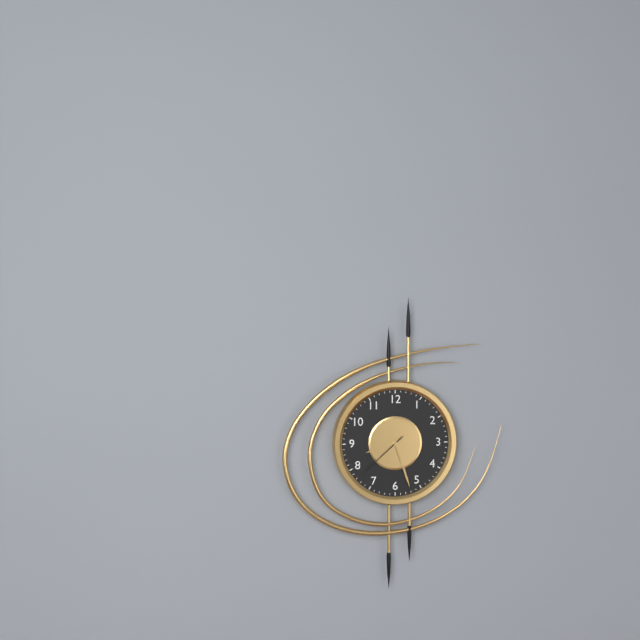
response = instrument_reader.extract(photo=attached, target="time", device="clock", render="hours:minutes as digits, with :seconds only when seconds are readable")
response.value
8:27:38
